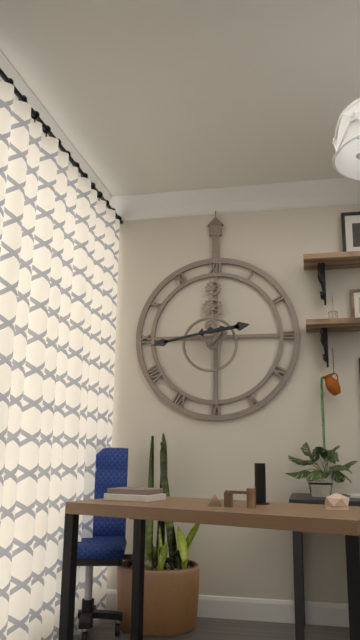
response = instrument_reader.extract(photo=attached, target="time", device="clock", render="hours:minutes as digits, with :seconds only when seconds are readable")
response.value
2:43
